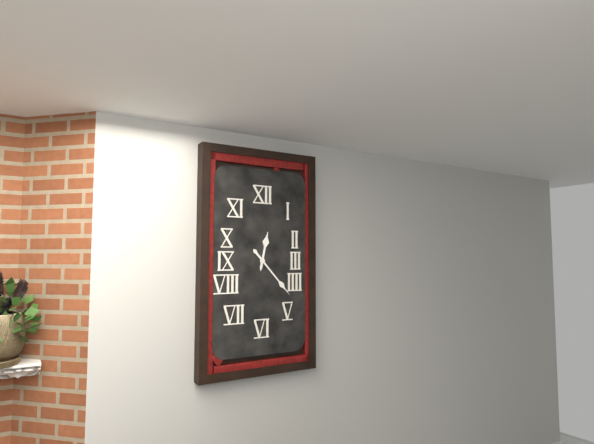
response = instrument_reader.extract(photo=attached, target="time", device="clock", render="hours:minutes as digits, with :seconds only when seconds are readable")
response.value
12:23
